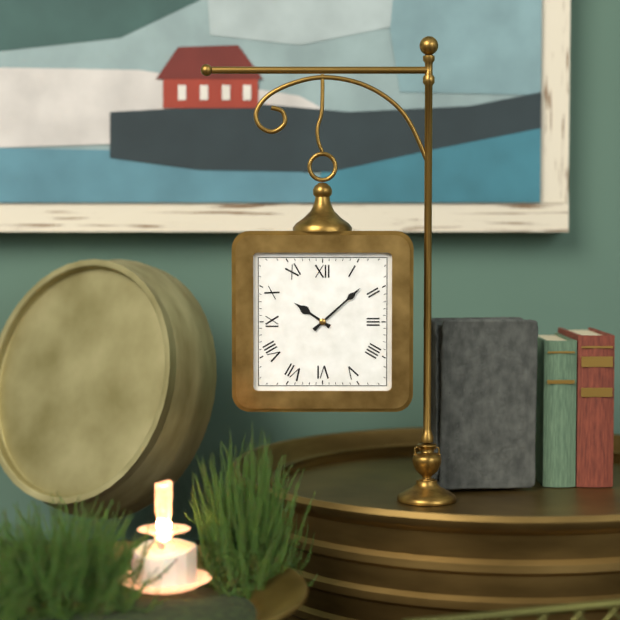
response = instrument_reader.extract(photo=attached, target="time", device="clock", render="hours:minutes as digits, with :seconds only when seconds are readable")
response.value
10:08
